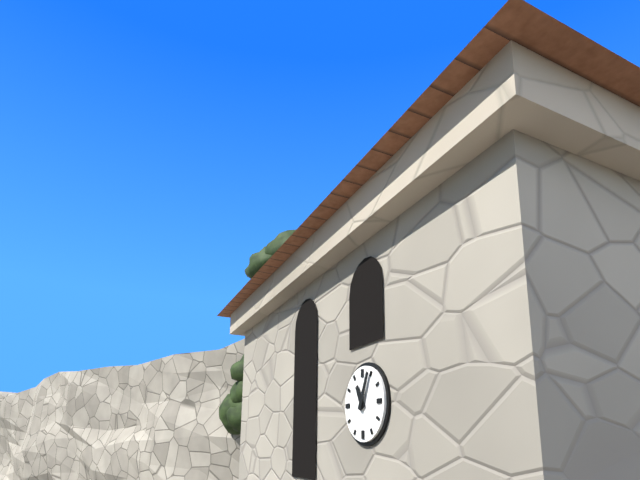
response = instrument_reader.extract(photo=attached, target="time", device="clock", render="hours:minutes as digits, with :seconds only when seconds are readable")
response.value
11:04
